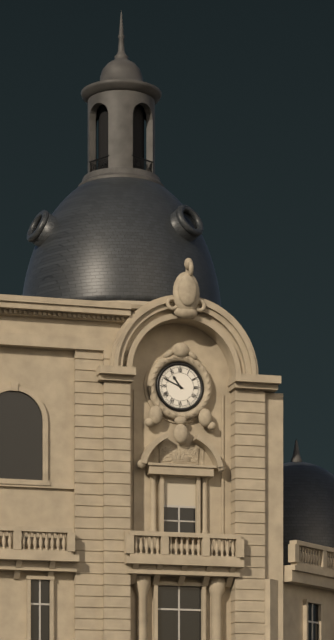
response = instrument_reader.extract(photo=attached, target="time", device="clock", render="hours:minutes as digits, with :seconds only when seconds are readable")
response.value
10:49
